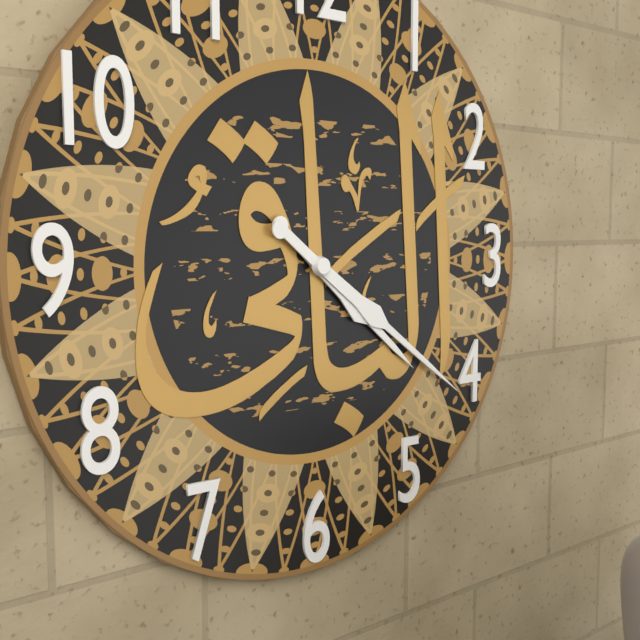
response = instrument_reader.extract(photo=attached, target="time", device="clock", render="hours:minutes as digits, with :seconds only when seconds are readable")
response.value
4:21
